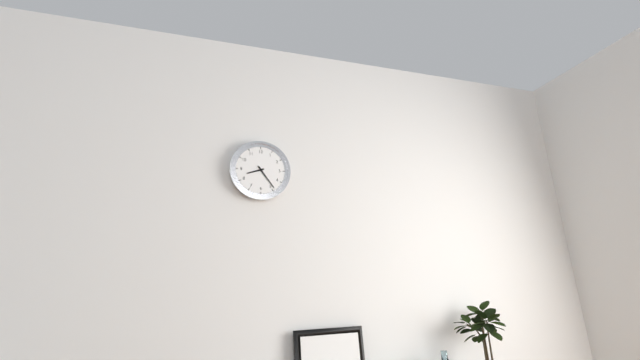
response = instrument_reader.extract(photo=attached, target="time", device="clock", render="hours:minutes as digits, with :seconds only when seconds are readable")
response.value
8:24
